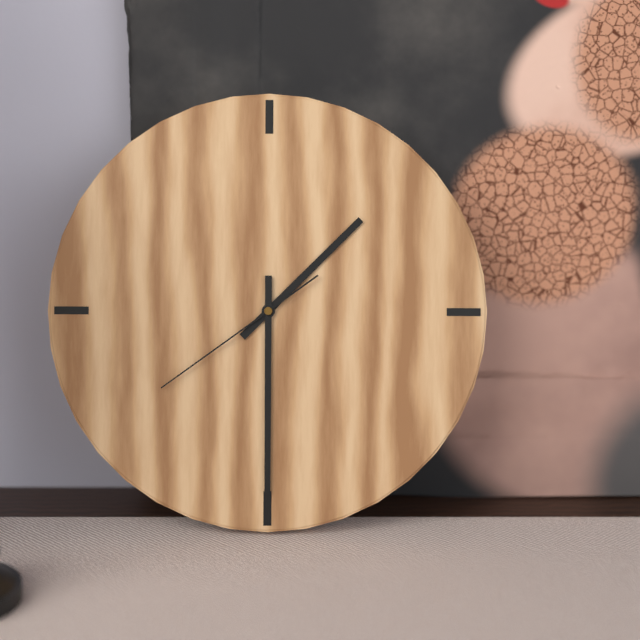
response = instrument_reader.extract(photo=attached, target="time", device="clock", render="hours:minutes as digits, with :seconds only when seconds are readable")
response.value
1:30:39
